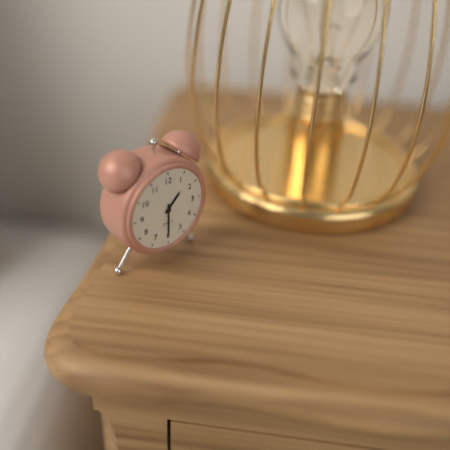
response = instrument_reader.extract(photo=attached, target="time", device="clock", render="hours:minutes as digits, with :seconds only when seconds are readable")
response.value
1:30
